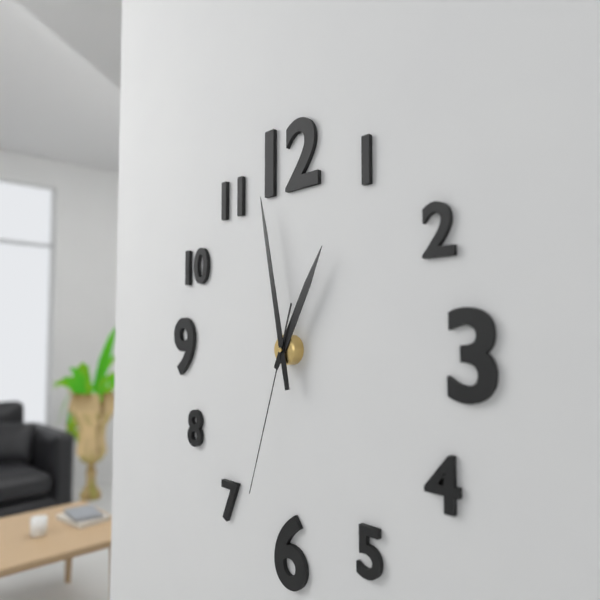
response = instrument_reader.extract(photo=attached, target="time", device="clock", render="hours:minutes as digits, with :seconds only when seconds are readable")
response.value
12:58:33
